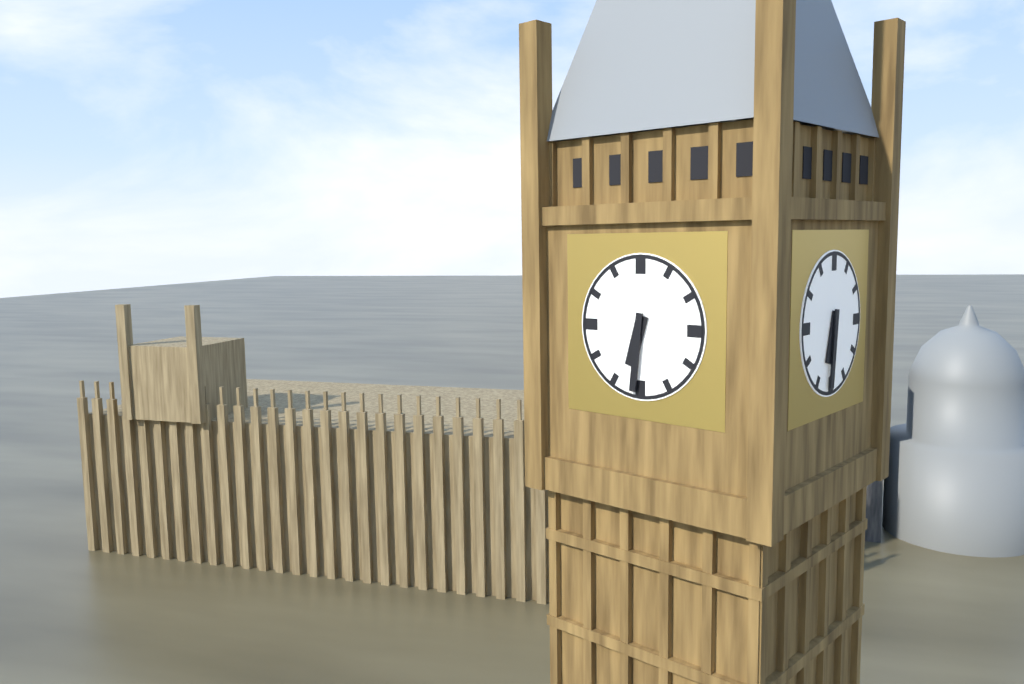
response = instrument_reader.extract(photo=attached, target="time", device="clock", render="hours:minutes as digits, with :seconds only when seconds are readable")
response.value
6:31
